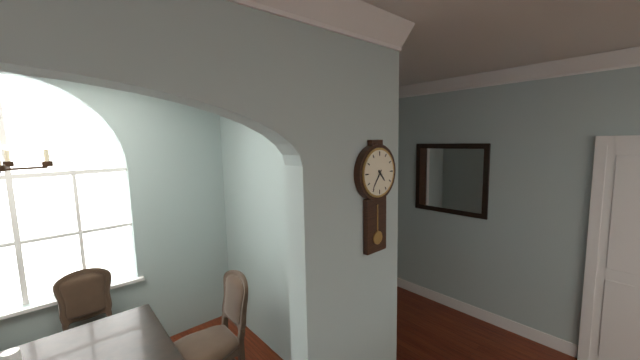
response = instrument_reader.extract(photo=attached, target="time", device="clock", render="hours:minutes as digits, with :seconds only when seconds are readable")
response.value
4:36
